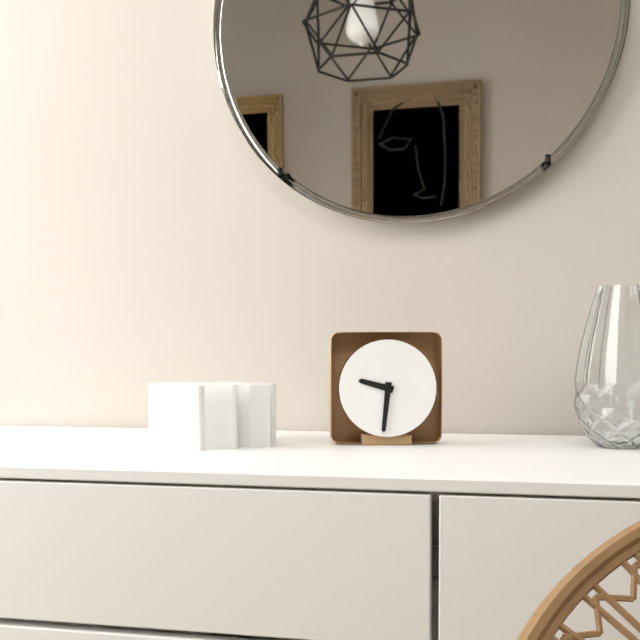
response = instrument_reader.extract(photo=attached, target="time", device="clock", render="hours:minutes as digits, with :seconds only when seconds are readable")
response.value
9:31
